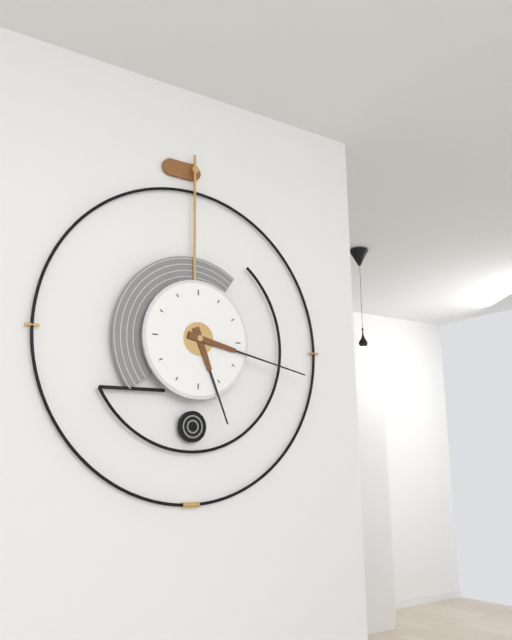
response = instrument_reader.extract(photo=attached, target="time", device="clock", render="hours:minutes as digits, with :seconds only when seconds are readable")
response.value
5:17
